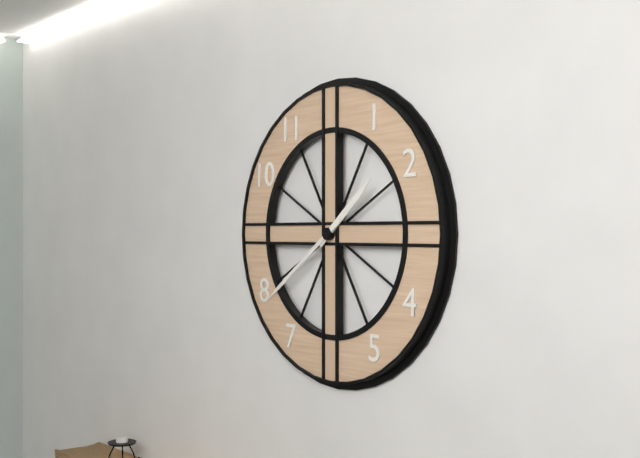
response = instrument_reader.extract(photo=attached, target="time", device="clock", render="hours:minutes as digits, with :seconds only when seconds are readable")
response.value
1:39
